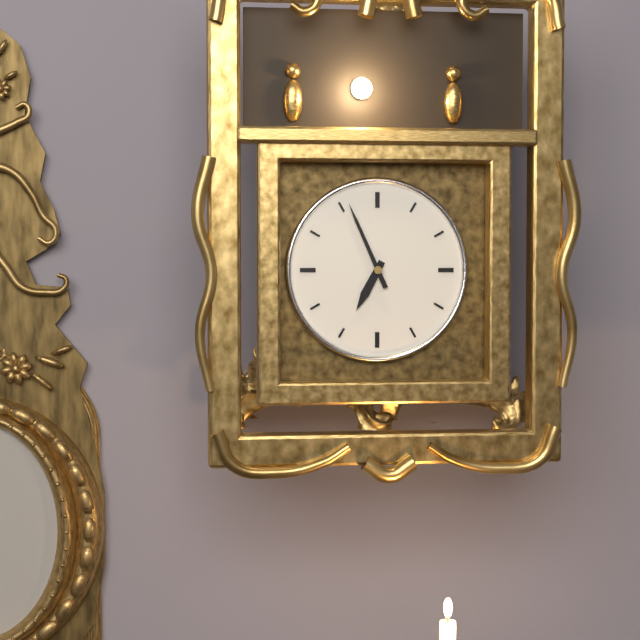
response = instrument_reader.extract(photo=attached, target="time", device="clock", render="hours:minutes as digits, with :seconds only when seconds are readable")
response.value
6:56
